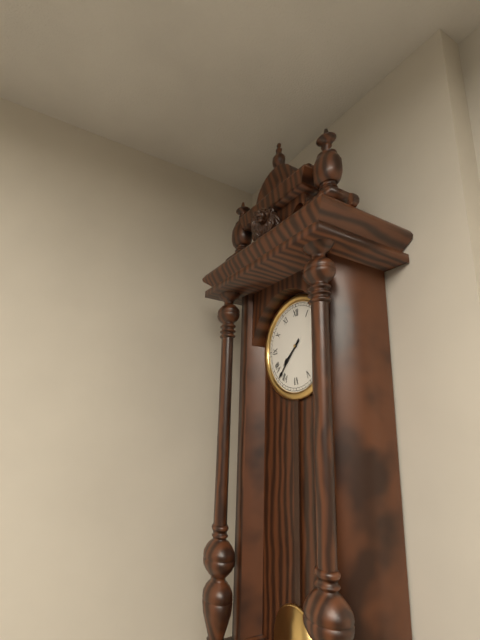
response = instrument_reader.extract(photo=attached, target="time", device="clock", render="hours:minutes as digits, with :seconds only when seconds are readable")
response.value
7:37
